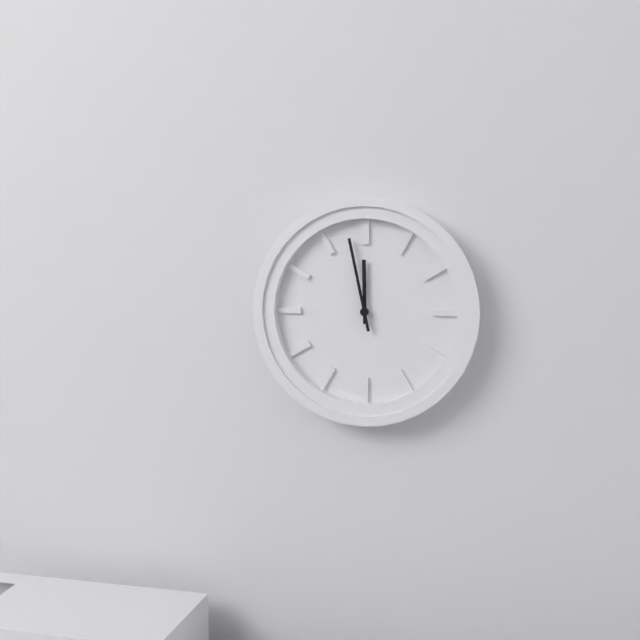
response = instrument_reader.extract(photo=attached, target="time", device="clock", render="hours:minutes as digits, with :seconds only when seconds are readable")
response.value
11:58
